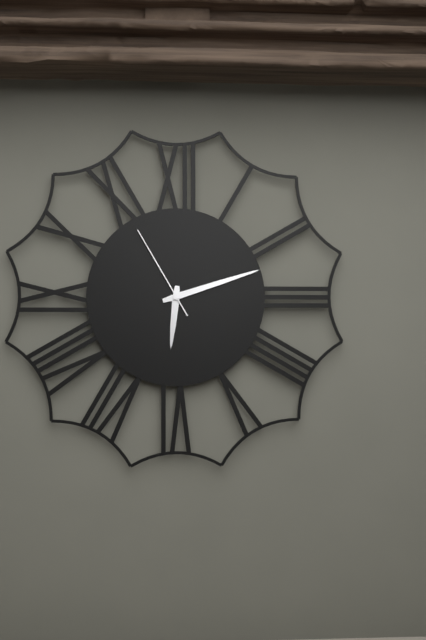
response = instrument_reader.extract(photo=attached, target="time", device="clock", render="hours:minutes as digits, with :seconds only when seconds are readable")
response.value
6:12:55
